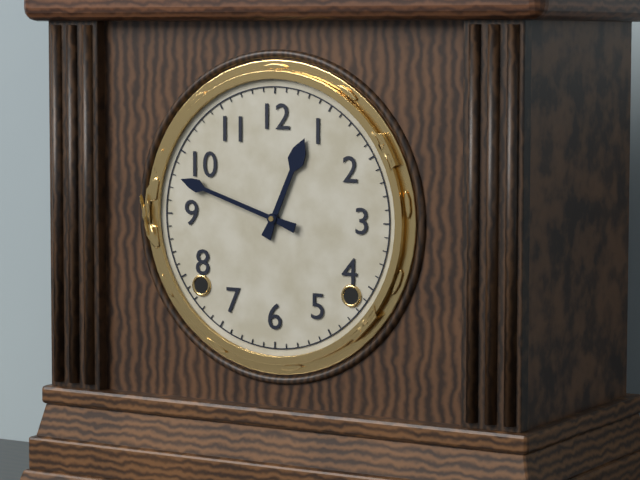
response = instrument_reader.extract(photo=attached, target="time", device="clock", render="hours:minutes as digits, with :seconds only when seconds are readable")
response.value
12:48
